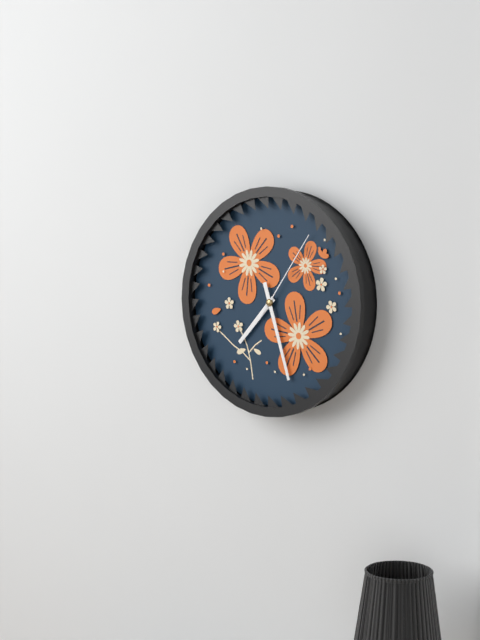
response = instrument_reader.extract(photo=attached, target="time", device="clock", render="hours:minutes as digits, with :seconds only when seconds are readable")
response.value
7:27:06
